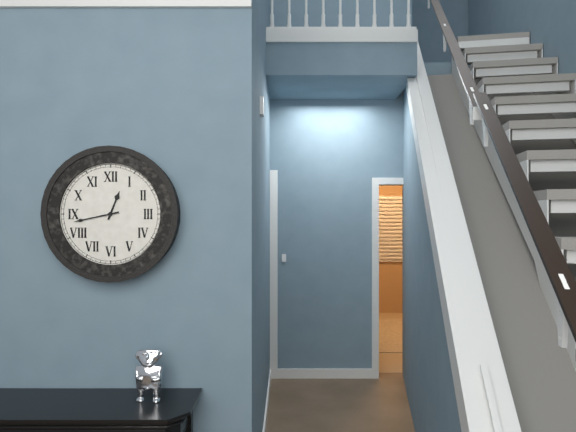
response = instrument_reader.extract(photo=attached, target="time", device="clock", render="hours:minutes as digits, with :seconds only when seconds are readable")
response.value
12:43
